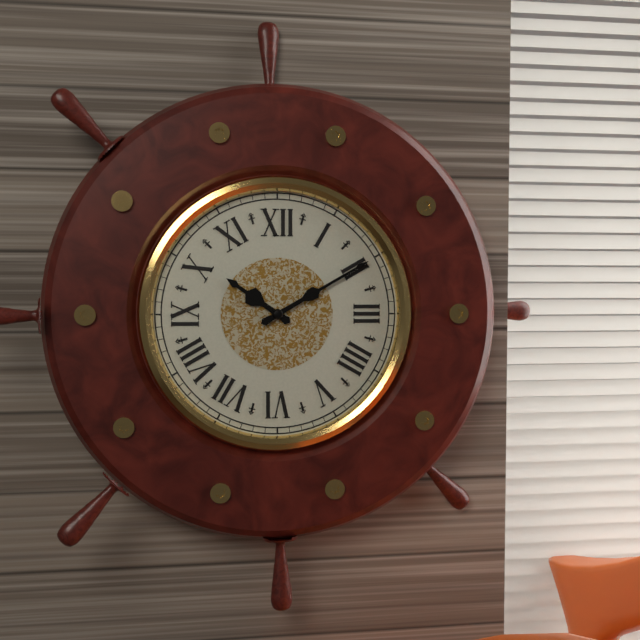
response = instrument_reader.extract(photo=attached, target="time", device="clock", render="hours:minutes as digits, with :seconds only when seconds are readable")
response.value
10:10
